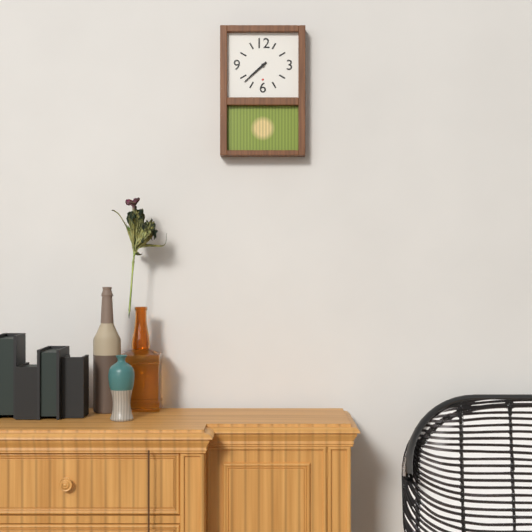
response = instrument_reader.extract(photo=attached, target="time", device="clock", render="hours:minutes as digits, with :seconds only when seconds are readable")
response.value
7:38
